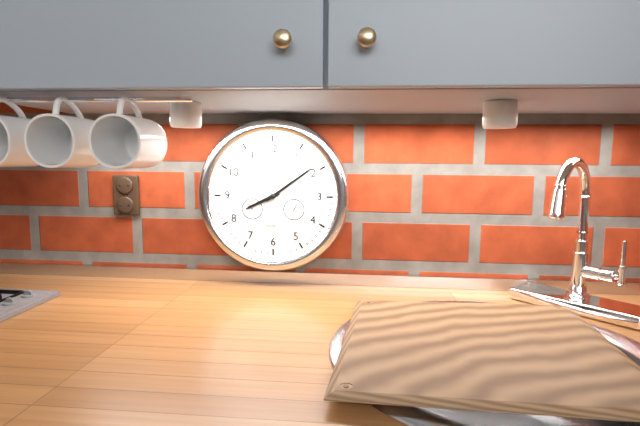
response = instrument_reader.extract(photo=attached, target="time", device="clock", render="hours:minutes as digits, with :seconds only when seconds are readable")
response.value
8:09
